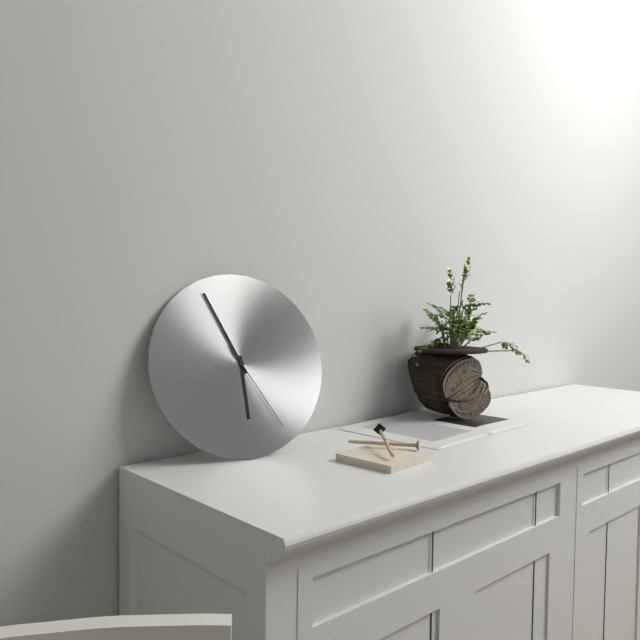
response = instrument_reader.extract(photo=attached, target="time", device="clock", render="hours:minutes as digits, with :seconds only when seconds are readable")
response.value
5:56:25
